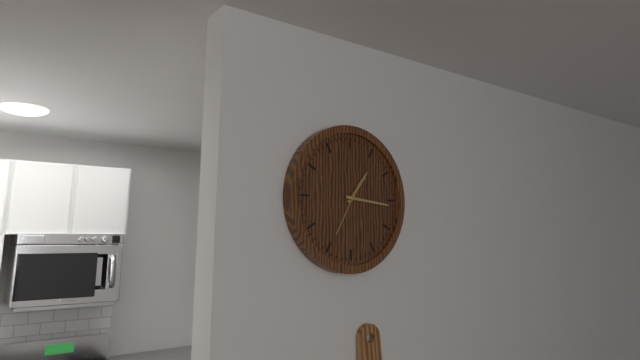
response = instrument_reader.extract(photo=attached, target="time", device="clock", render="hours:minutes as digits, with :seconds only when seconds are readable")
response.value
1:16:35
